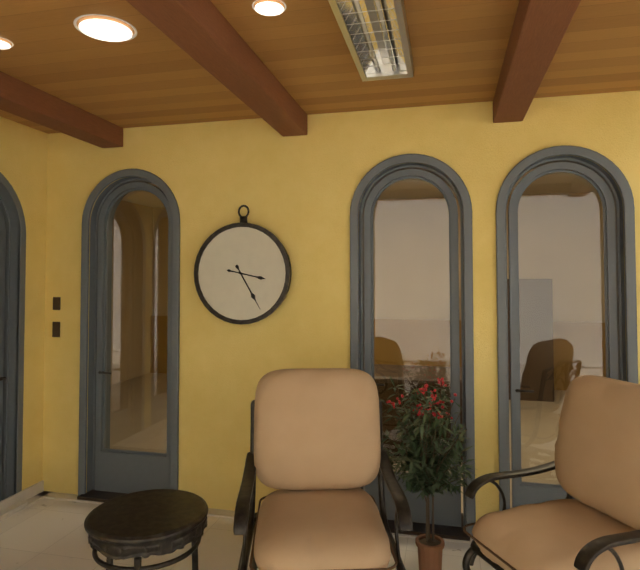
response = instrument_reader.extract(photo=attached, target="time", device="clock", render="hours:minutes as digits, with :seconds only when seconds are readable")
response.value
3:25
